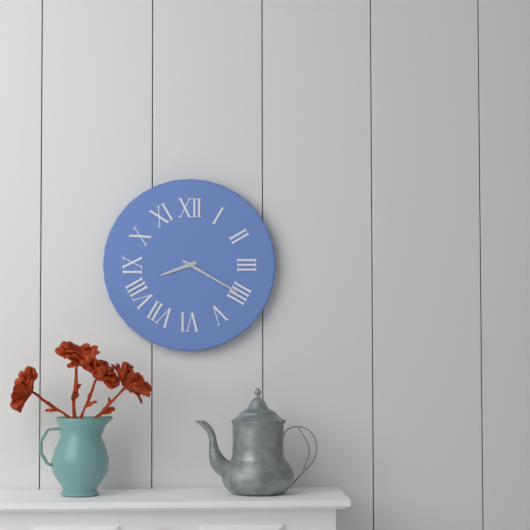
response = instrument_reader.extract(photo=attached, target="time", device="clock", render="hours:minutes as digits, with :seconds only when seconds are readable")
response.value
8:20
